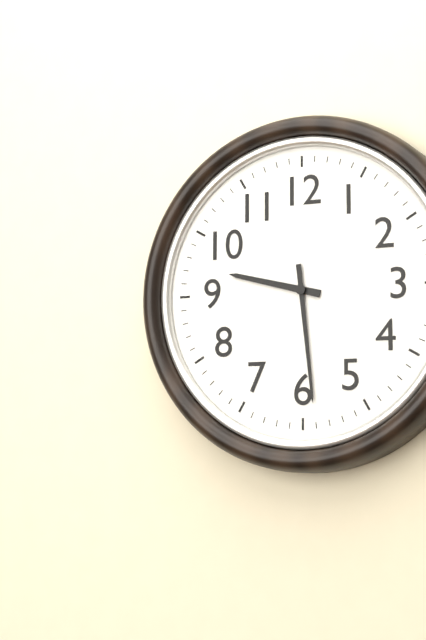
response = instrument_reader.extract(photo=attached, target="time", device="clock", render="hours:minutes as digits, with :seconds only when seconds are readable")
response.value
9:29
